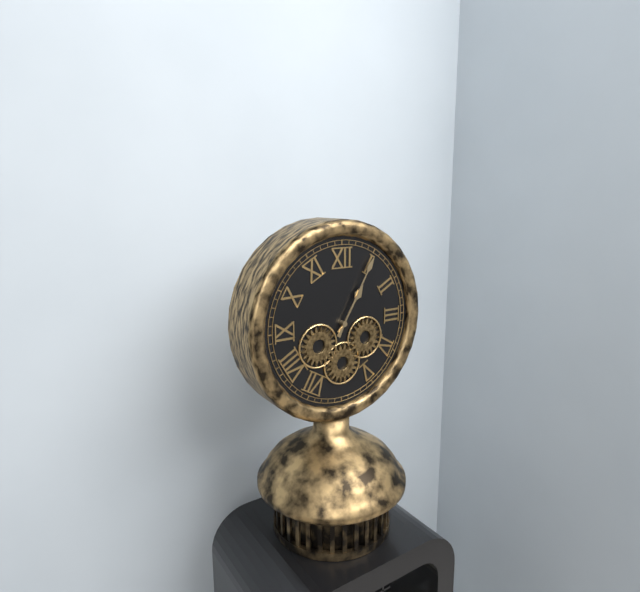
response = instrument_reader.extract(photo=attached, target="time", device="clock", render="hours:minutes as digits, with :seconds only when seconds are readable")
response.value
1:05
